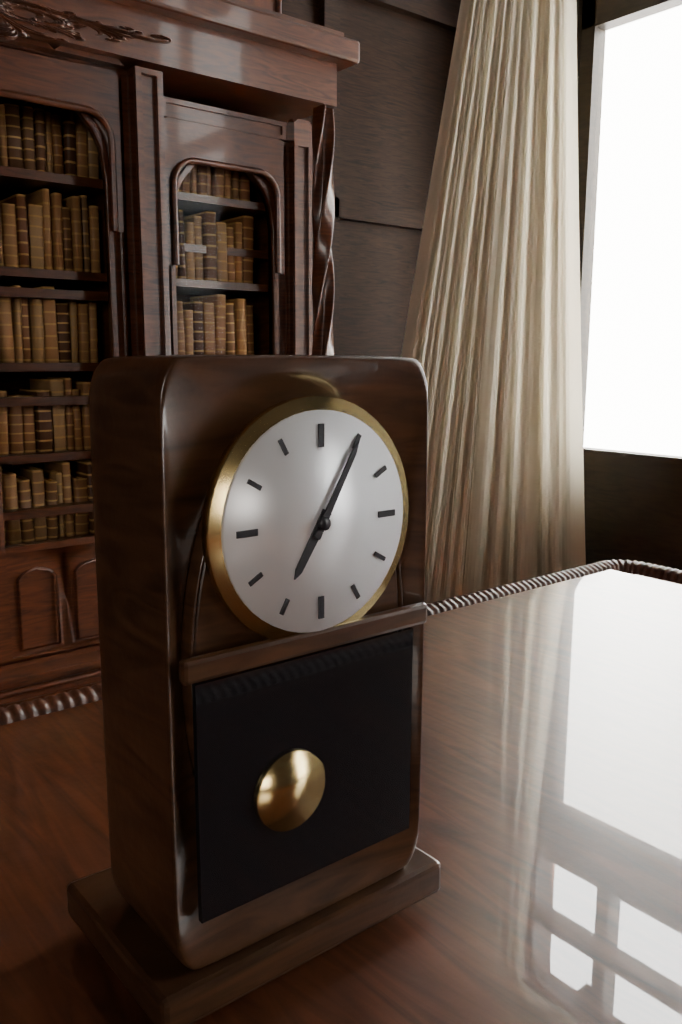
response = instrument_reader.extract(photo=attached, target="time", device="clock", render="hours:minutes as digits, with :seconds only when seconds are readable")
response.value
7:05
